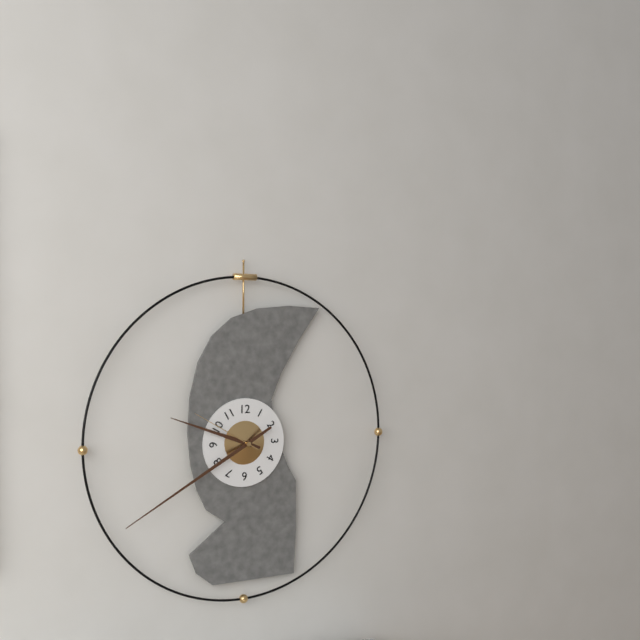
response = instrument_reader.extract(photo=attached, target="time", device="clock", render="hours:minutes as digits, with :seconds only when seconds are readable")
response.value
9:40:50
